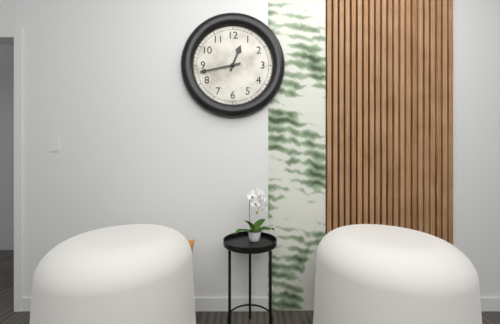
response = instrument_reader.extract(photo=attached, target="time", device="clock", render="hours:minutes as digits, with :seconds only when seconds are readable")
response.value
12:43
